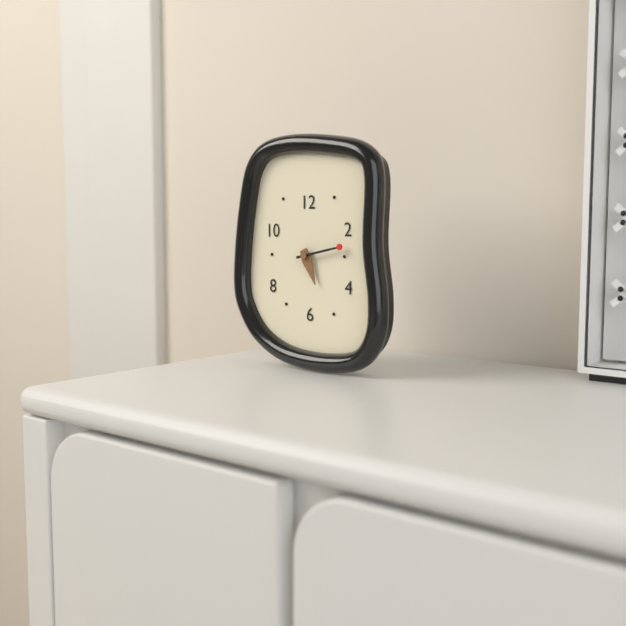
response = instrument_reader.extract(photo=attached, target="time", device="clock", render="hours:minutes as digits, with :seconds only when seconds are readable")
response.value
5:13
